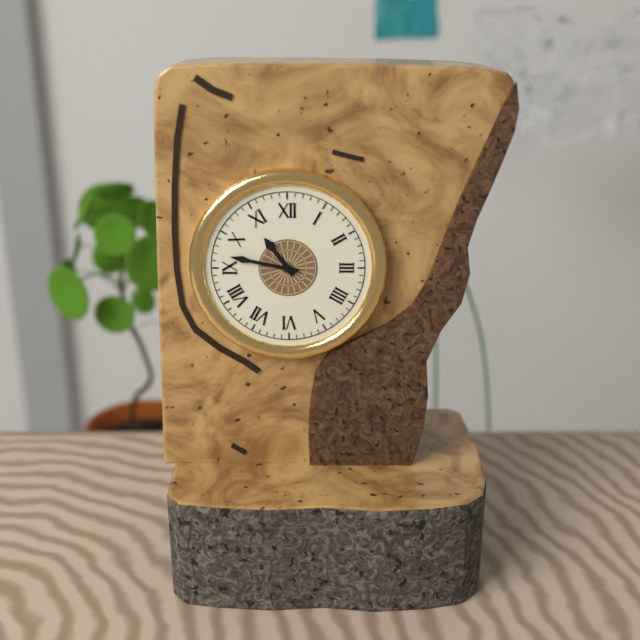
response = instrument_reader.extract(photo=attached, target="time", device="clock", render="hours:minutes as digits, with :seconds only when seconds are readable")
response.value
10:47
